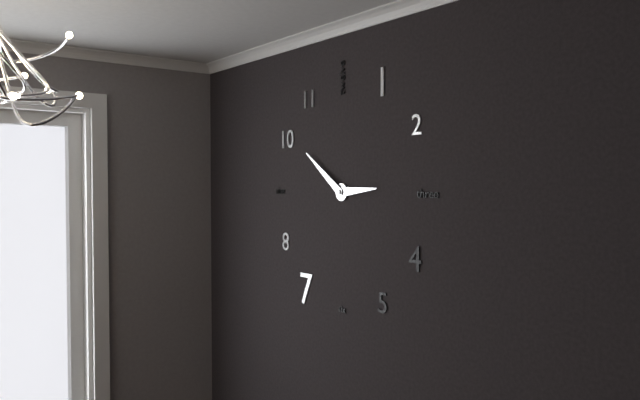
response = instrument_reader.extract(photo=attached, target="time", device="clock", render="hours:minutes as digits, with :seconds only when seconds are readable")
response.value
2:51
